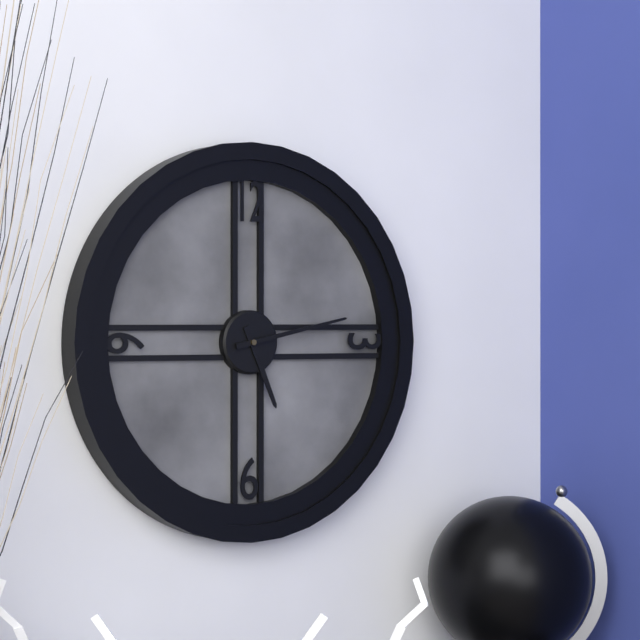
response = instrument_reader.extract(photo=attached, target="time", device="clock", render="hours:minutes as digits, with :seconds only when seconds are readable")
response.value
5:13
